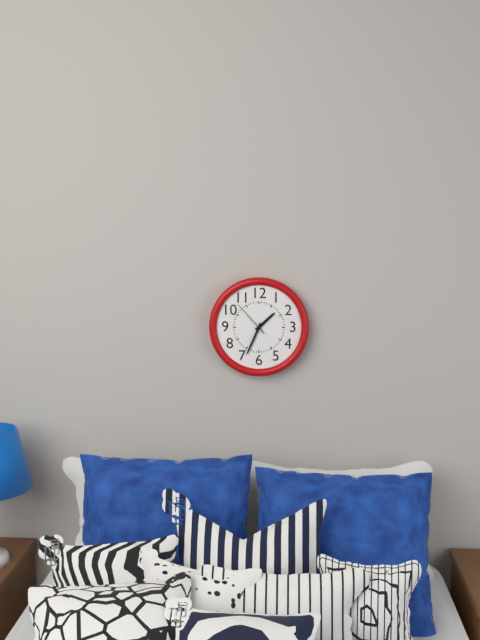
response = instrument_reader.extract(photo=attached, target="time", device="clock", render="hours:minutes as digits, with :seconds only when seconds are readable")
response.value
1:34
